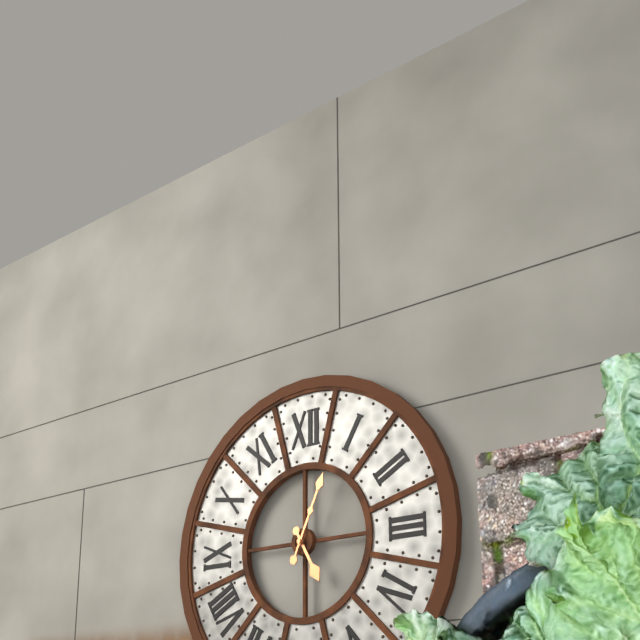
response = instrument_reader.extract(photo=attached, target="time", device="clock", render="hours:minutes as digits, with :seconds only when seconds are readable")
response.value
5:04
